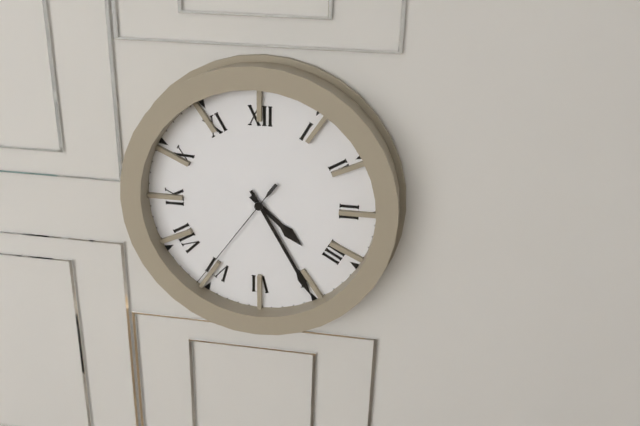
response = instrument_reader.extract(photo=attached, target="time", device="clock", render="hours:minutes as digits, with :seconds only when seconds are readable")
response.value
4:25:36
